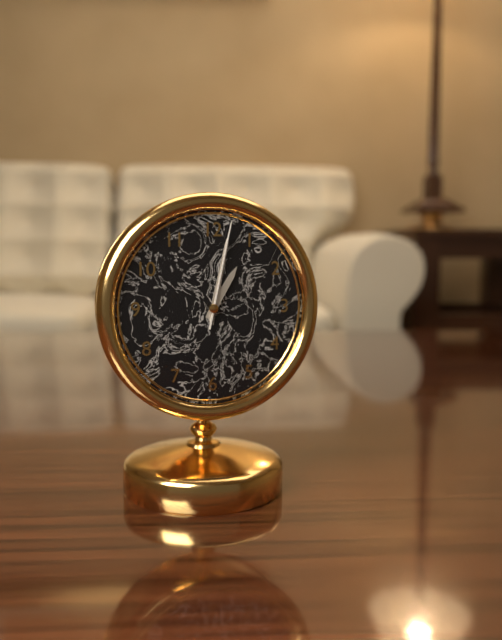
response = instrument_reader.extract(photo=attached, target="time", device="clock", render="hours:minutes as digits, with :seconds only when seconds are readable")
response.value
1:02:02
